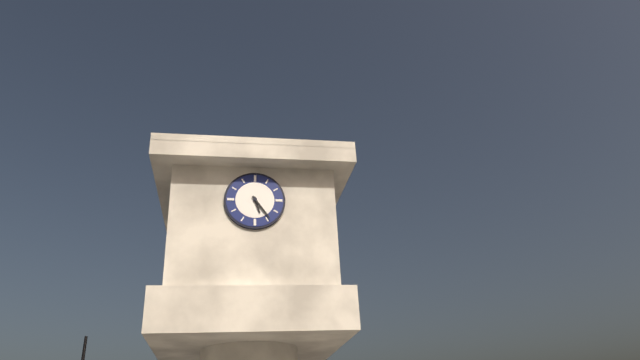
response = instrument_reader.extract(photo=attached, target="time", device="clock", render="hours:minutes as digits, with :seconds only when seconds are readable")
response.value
5:24
